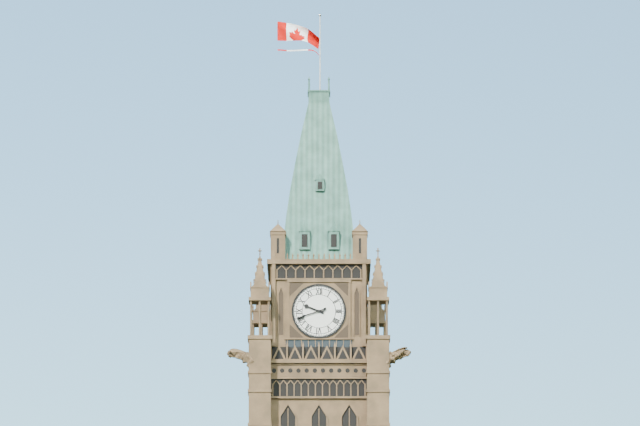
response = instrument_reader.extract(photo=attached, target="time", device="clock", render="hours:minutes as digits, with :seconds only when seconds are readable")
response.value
9:42
